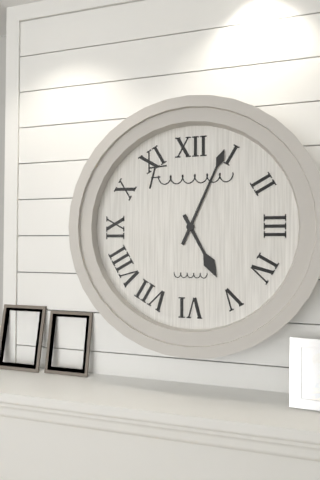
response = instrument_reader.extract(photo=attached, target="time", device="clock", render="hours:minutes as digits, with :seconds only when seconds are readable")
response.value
5:04
